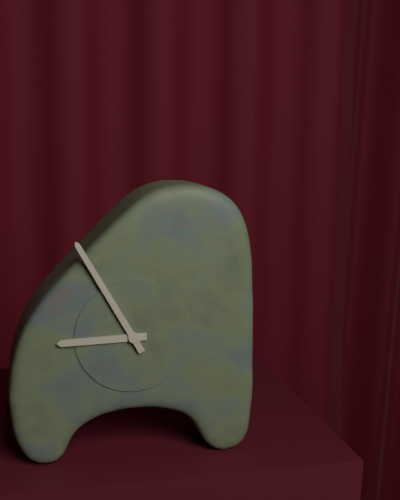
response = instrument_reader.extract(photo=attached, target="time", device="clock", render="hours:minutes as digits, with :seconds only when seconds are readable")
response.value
8:55
